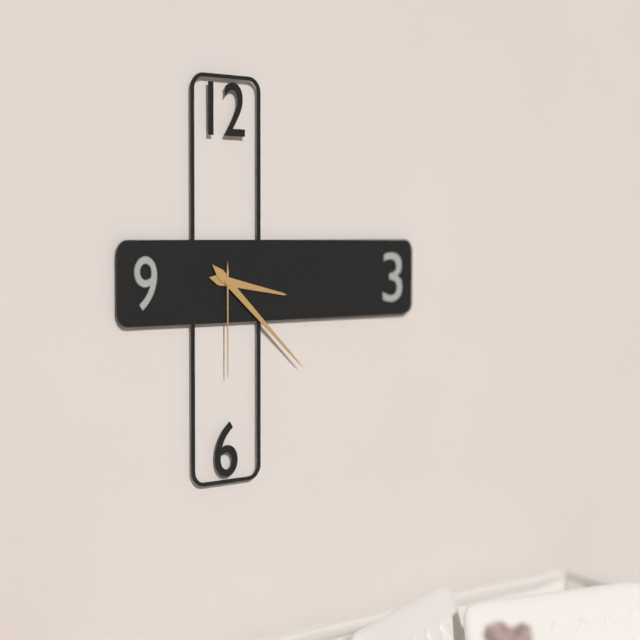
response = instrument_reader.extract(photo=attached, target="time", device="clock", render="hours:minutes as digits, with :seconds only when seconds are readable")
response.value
3:22:30
